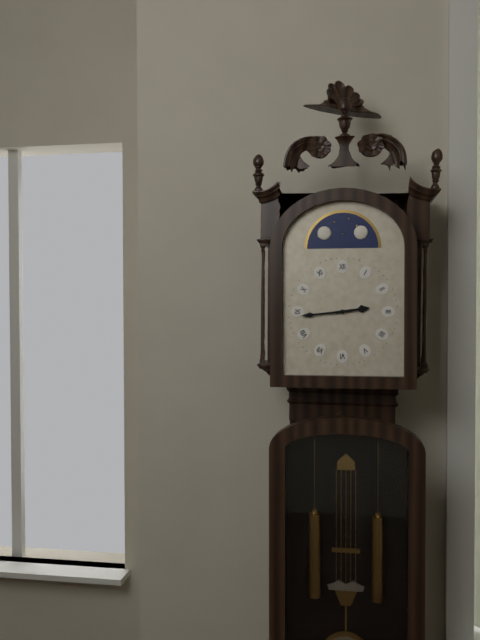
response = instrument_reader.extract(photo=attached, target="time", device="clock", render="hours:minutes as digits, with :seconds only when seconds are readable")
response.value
2:44
